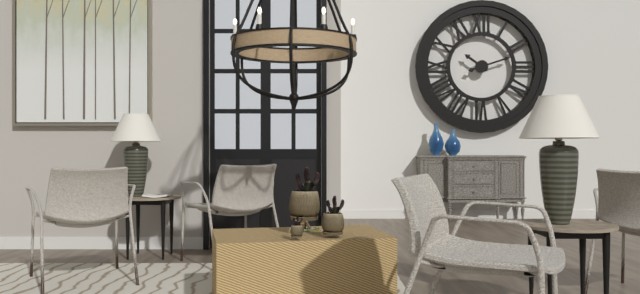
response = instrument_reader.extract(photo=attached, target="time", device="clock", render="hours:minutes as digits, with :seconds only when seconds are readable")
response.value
10:12
